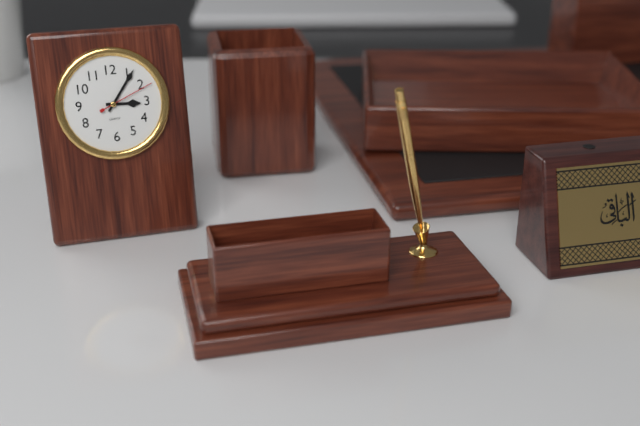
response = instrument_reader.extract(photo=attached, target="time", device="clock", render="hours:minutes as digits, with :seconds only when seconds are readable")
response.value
3:06:11
